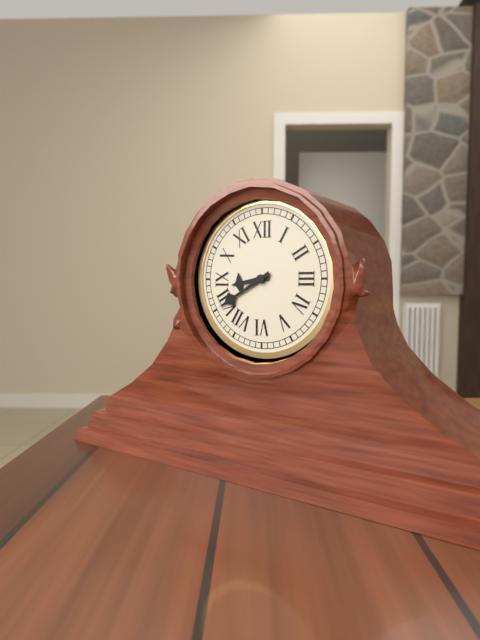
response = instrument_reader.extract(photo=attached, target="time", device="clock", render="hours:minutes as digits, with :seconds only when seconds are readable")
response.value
8:40
